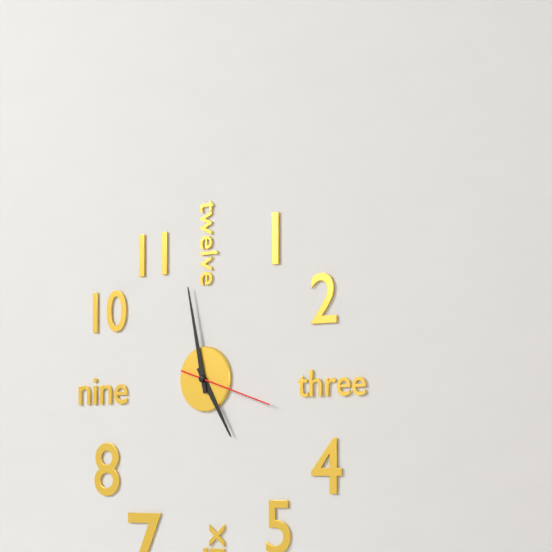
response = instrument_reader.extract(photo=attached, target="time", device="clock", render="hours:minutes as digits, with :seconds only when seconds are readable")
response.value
4:58:18
